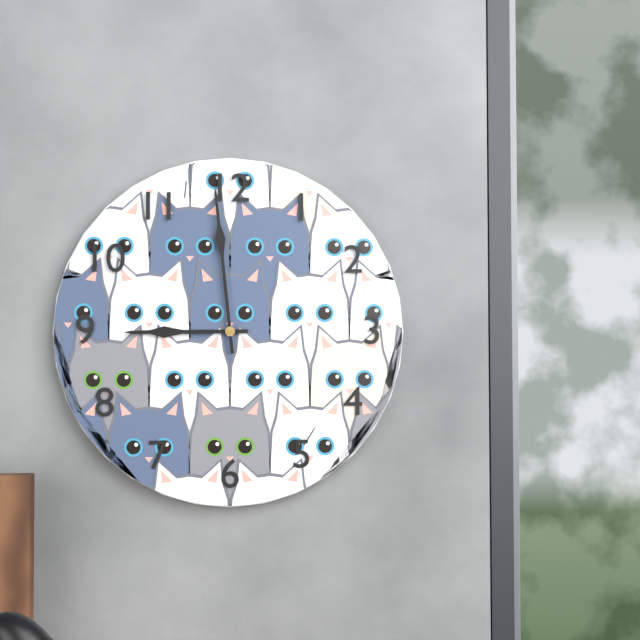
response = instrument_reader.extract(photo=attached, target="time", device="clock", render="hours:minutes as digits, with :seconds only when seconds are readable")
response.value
8:59
